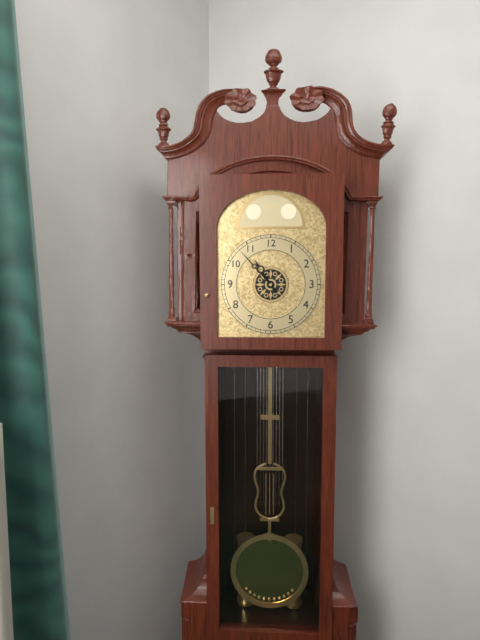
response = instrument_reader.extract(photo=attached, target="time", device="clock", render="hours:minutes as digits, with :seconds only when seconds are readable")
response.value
10:53
